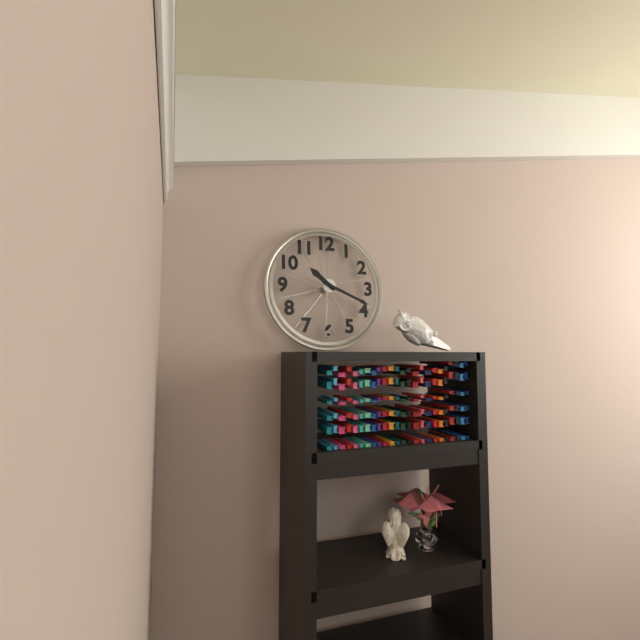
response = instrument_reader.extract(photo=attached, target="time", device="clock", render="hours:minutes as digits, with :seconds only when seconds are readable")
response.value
10:19
